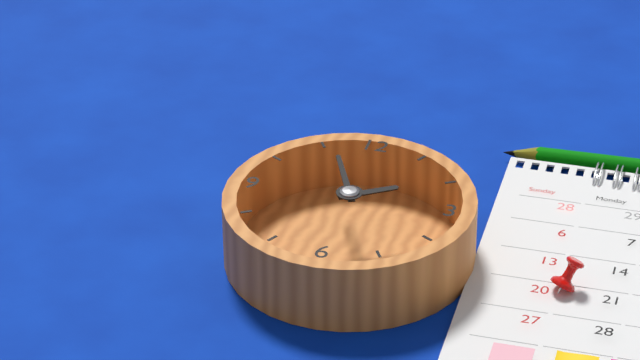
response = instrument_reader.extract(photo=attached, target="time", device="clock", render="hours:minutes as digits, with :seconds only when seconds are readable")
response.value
1:56
